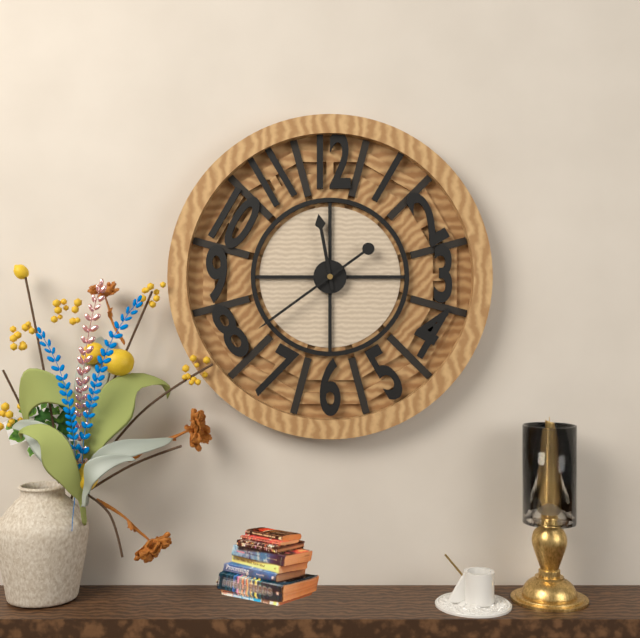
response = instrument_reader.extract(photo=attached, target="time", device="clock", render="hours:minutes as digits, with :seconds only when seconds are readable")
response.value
11:39
